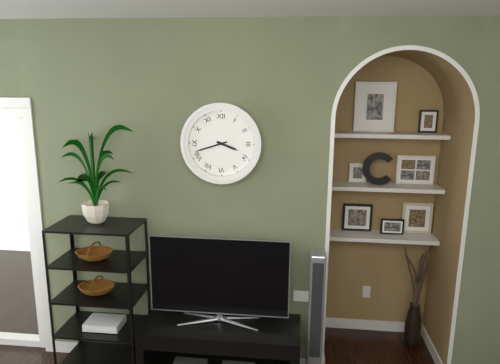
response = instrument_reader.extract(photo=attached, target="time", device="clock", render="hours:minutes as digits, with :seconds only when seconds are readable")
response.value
3:42
